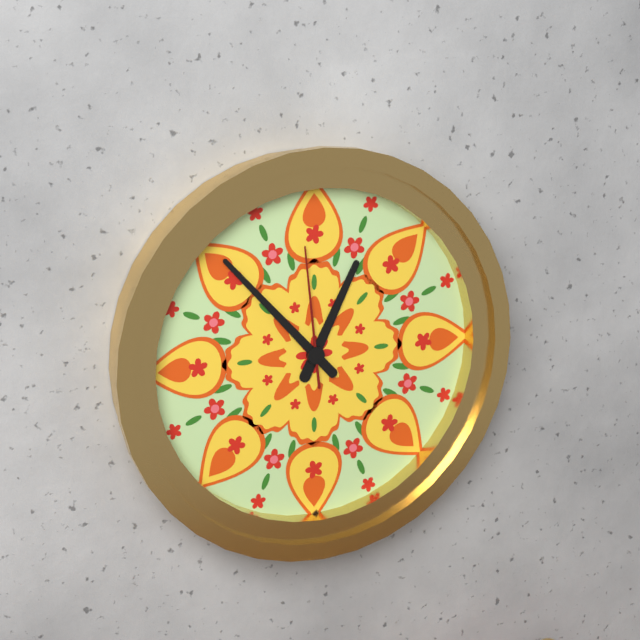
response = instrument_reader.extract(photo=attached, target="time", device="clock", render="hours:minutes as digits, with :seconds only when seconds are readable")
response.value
12:53:59
